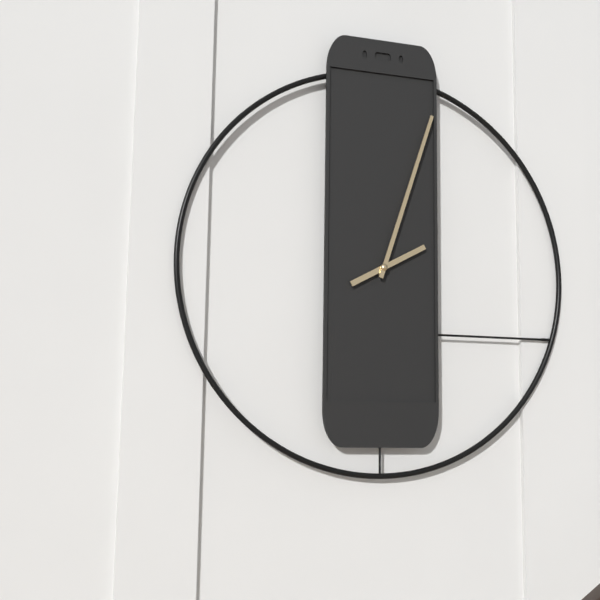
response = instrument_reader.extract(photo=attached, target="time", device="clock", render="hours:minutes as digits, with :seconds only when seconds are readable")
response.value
2:03
